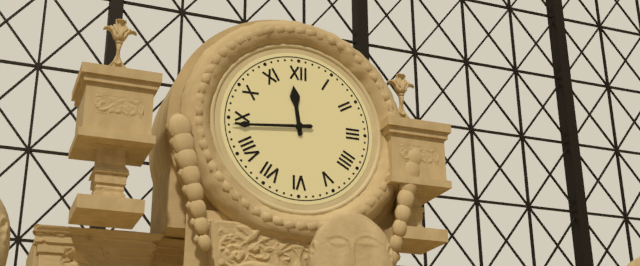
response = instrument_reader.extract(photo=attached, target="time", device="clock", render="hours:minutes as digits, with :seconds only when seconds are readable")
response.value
11:44
